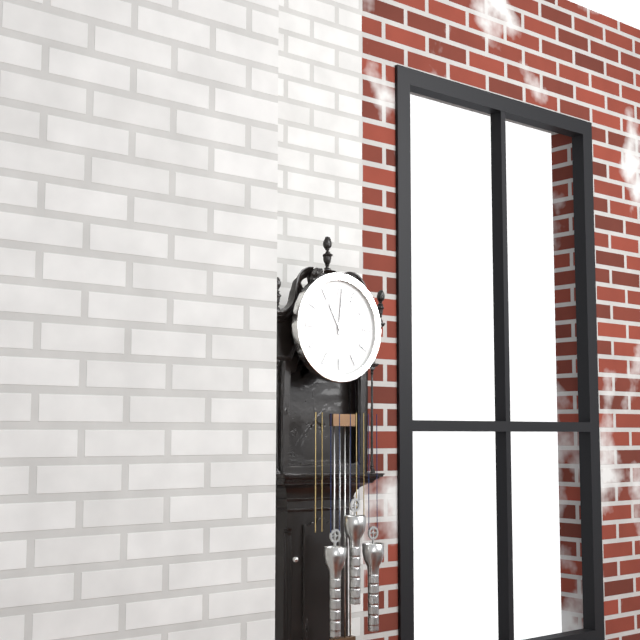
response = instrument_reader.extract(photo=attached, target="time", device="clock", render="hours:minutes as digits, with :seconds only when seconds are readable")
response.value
11:01
